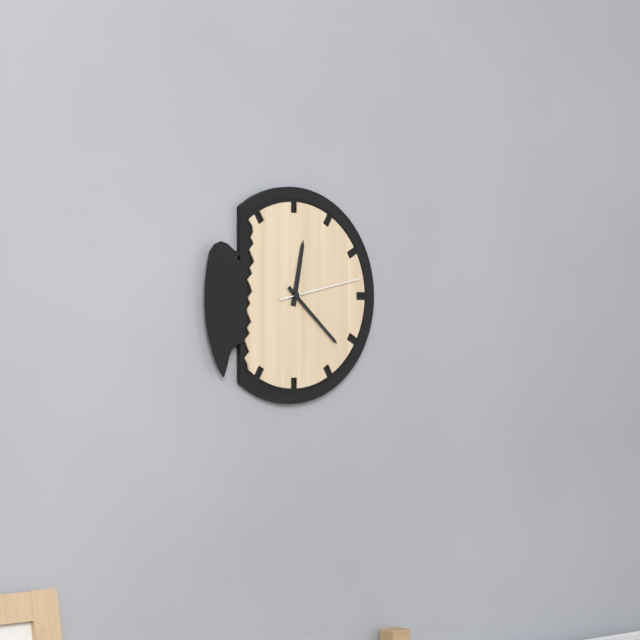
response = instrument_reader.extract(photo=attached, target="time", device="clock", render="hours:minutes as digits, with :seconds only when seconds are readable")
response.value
12:22:13
